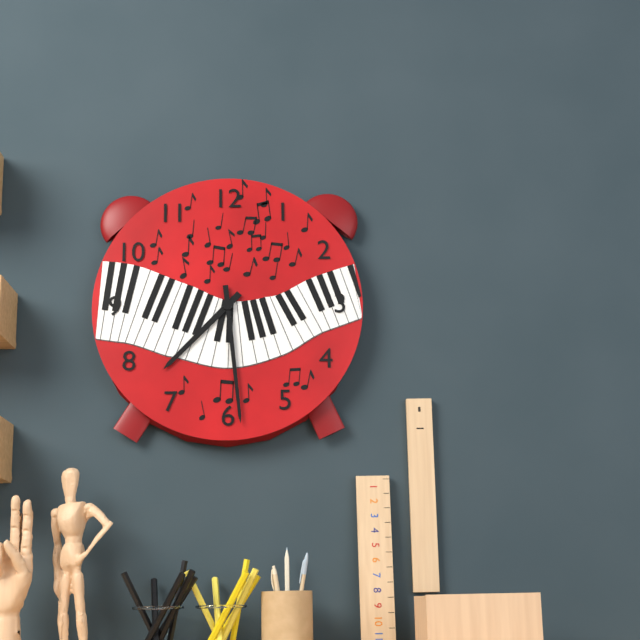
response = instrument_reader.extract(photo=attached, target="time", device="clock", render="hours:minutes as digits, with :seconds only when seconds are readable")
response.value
7:29
